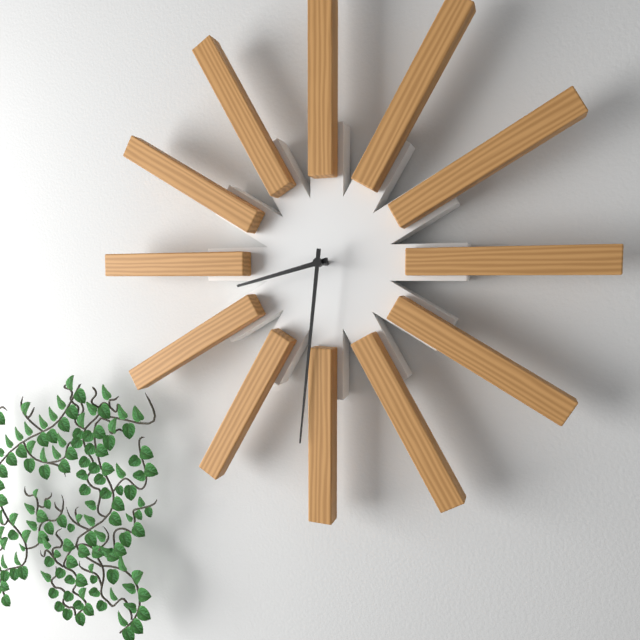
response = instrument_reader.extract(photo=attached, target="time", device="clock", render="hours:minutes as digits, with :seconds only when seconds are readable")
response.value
8:31
